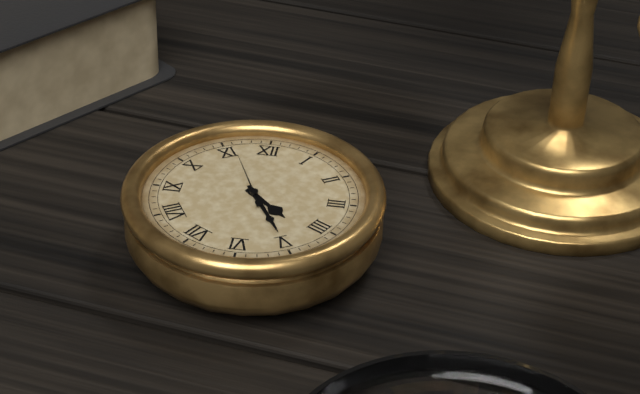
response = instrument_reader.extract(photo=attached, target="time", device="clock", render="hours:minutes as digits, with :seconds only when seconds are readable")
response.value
4:25:56
